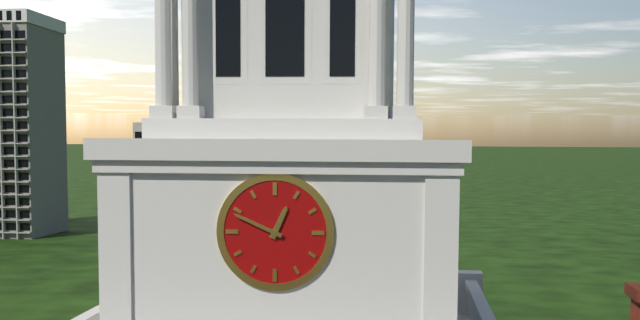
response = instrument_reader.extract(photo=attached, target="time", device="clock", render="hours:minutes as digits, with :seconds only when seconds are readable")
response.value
12:49
